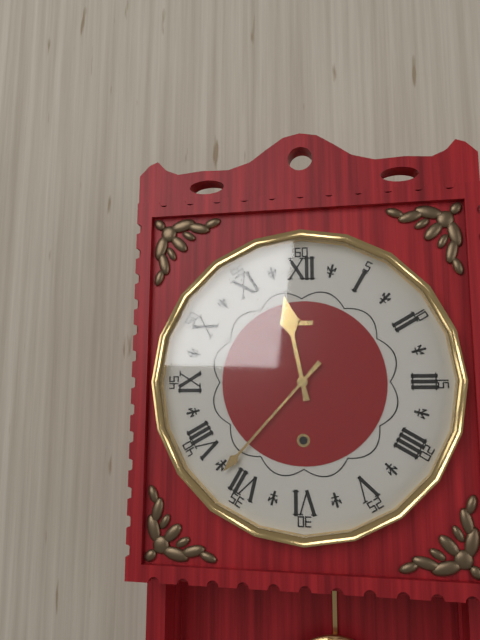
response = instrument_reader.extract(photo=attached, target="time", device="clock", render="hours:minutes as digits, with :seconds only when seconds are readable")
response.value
11:37
